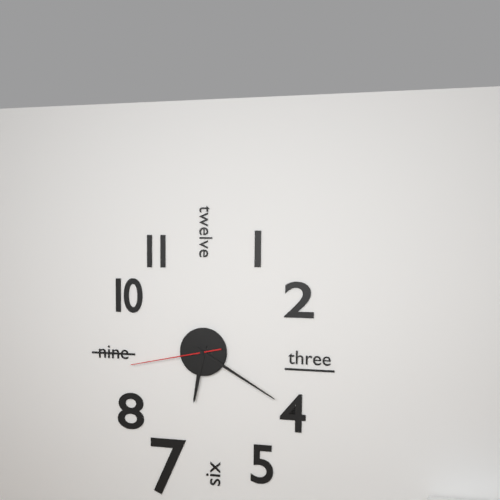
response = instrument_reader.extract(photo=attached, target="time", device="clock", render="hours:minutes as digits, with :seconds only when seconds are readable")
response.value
6:20:43
